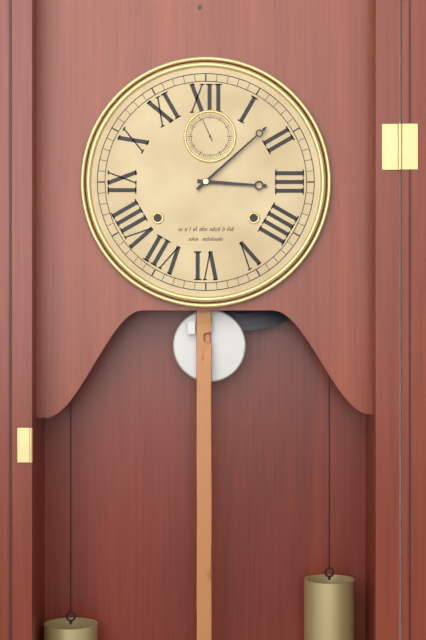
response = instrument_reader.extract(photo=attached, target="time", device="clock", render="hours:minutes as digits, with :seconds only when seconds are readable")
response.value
3:08
